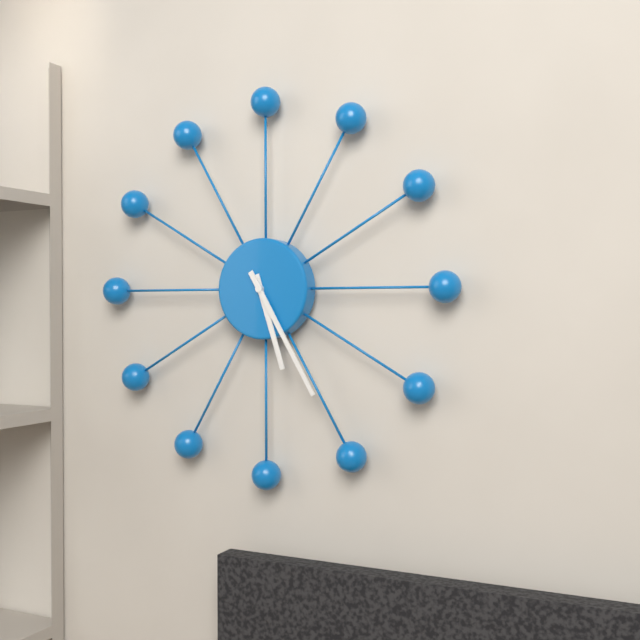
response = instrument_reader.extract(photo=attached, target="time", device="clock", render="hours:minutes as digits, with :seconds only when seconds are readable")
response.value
5:25
